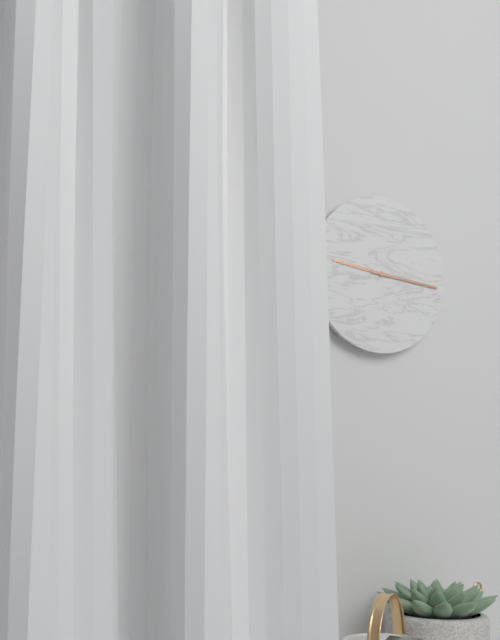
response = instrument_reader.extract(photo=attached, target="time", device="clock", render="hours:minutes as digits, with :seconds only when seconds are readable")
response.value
9:16
